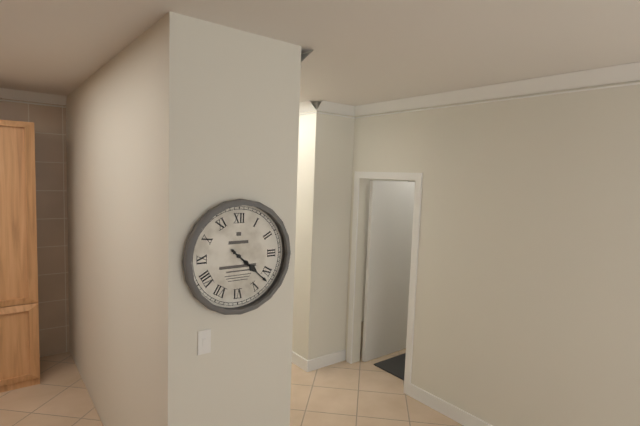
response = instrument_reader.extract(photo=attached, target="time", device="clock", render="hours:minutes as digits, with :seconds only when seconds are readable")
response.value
4:22
